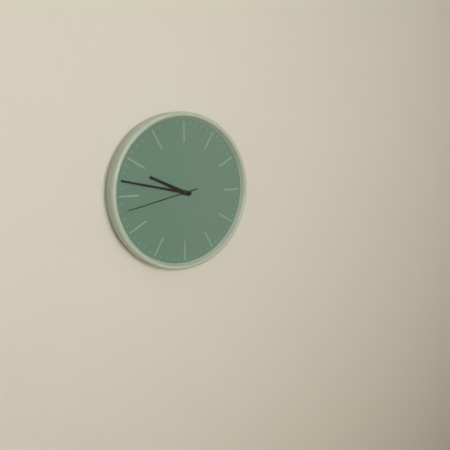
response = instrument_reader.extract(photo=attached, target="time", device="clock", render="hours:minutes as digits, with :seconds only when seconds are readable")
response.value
9:47:43
